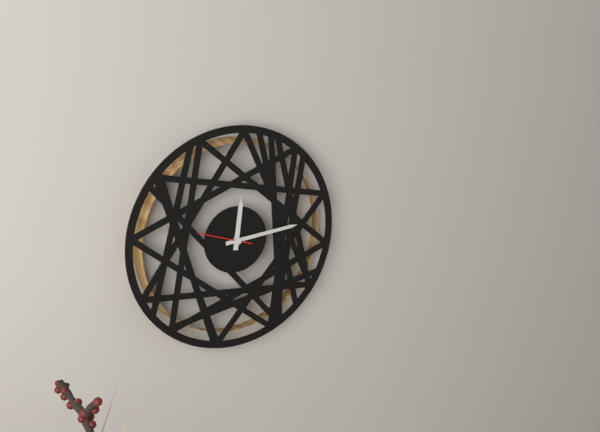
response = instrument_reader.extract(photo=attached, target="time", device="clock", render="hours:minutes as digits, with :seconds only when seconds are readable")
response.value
12:14:48
